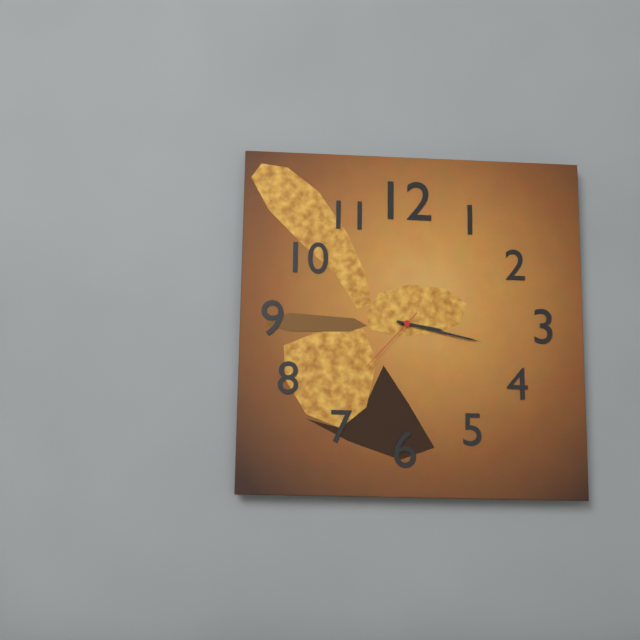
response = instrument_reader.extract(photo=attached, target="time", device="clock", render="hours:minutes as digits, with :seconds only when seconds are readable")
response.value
3:17:37
